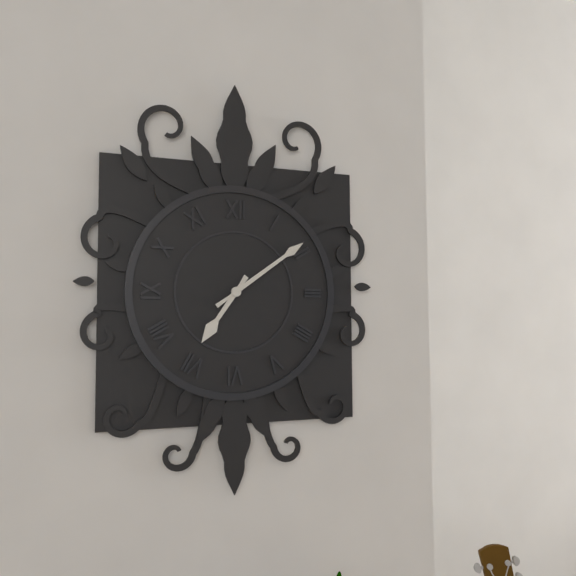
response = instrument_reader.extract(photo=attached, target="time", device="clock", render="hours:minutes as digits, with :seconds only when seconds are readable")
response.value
7:09
